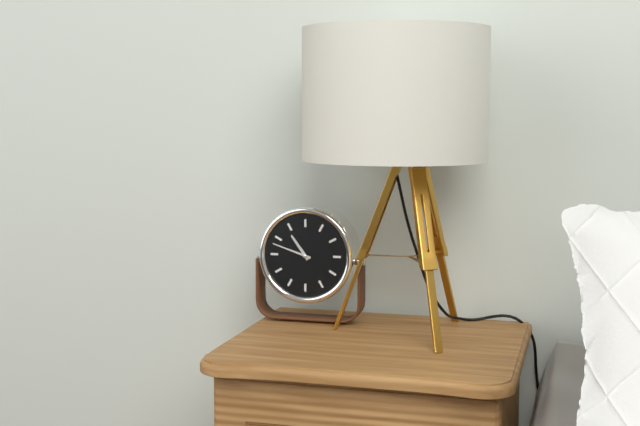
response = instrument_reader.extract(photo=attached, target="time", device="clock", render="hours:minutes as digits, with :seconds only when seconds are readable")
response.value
10:48
